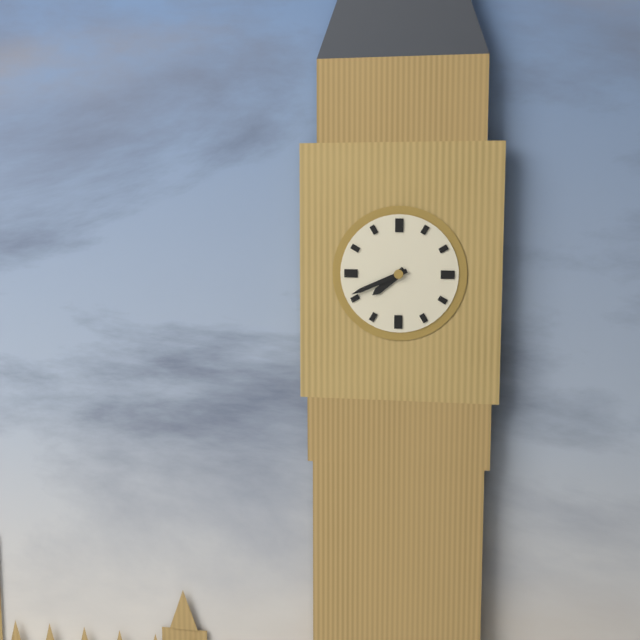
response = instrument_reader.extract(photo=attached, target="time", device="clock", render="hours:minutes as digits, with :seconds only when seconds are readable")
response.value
7:41
